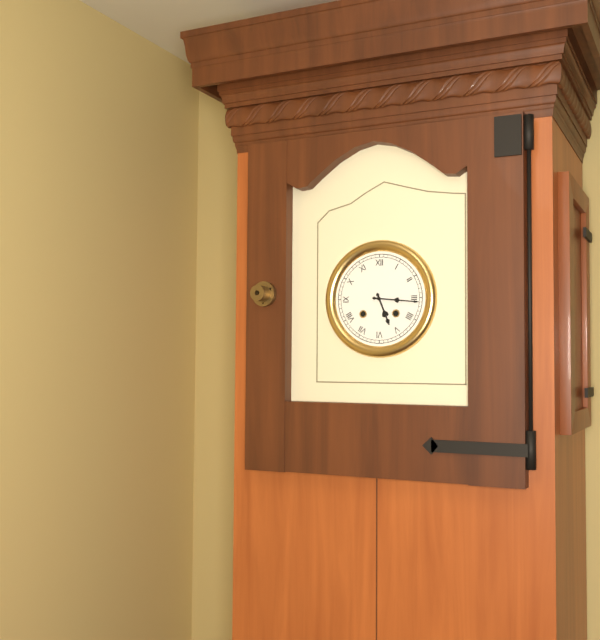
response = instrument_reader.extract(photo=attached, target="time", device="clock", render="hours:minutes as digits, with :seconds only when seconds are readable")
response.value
5:16
